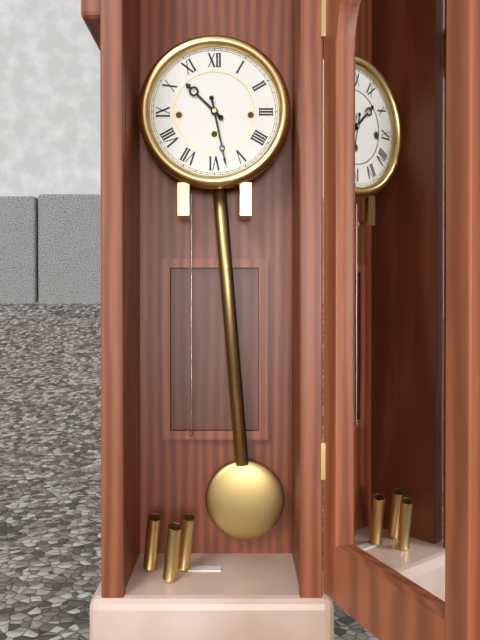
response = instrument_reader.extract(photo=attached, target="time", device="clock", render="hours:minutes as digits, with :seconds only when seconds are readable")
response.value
10:28
